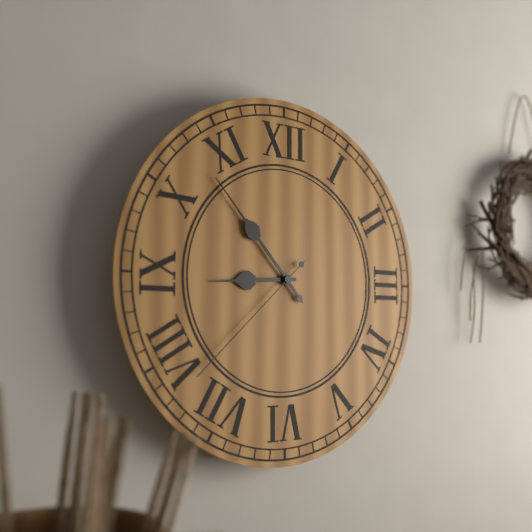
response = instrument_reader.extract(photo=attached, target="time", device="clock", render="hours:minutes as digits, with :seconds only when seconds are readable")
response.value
8:53:38
